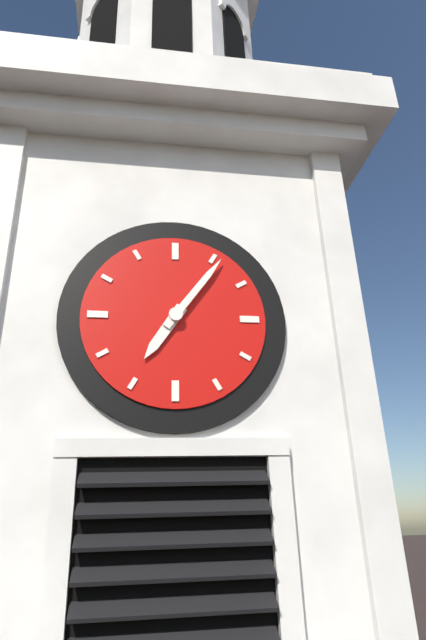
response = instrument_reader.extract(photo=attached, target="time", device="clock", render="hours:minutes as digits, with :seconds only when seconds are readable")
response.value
7:06
